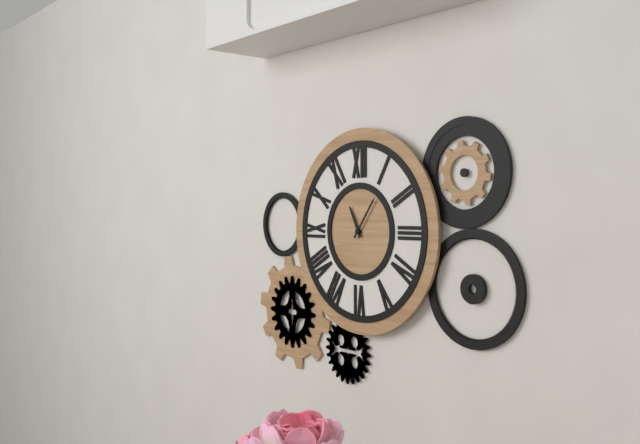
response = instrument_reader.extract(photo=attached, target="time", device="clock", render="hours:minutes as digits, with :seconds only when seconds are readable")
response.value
11:06
